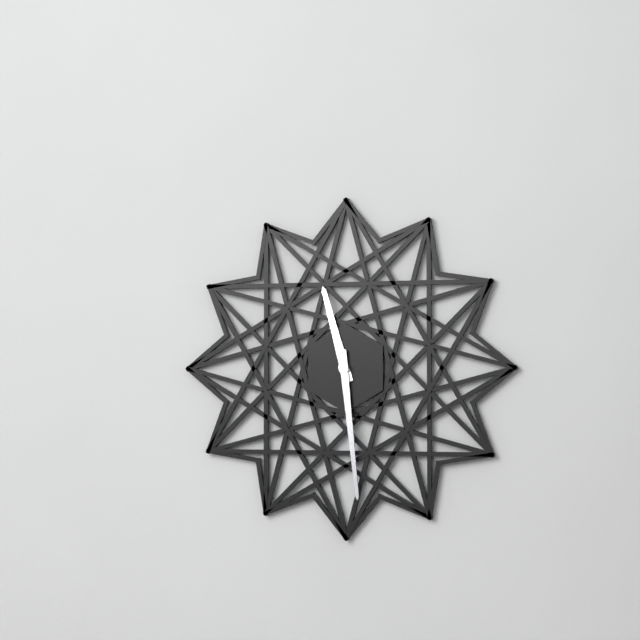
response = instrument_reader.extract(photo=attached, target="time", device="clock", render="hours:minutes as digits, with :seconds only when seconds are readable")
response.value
11:29
